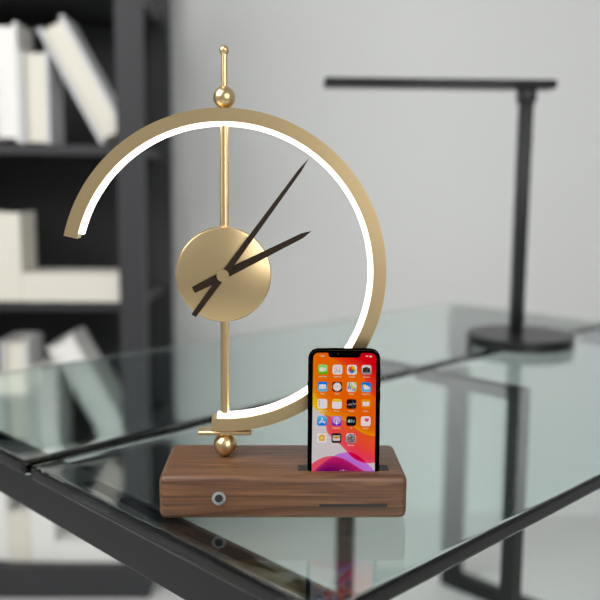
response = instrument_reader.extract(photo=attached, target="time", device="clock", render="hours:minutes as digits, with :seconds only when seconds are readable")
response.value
2:06
